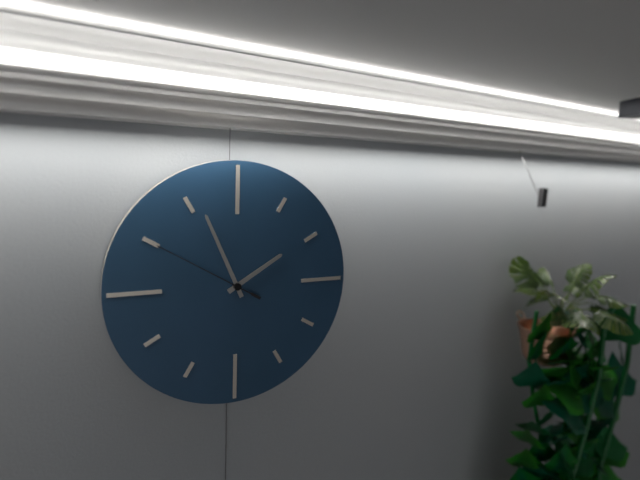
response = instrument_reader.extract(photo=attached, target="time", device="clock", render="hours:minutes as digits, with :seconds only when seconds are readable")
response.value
1:56:50
